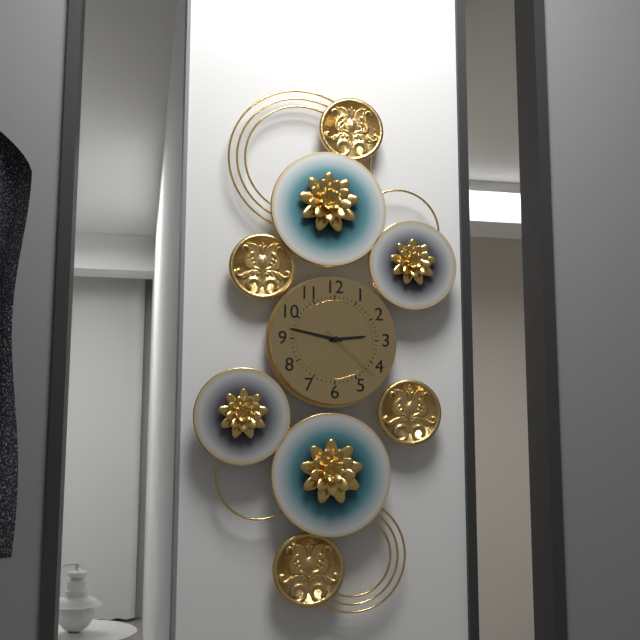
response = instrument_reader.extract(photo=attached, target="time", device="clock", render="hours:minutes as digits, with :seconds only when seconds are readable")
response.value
2:47:22
